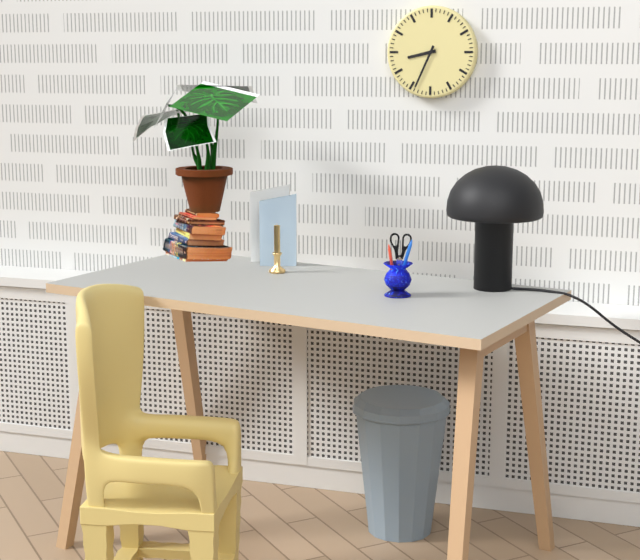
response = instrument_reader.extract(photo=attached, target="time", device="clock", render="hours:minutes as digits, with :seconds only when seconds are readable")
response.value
8:34
